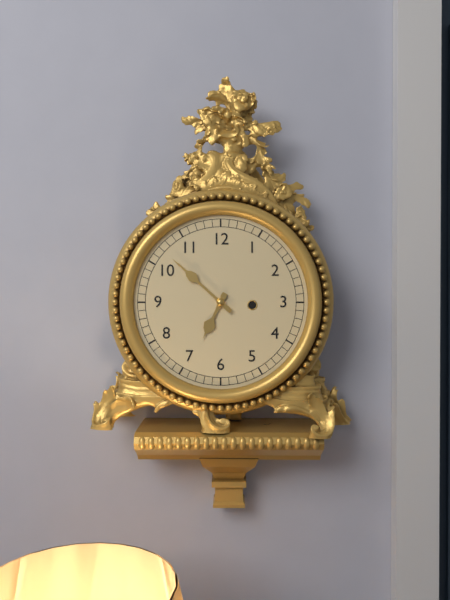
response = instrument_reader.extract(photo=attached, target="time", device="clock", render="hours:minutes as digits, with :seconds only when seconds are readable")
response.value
6:52
